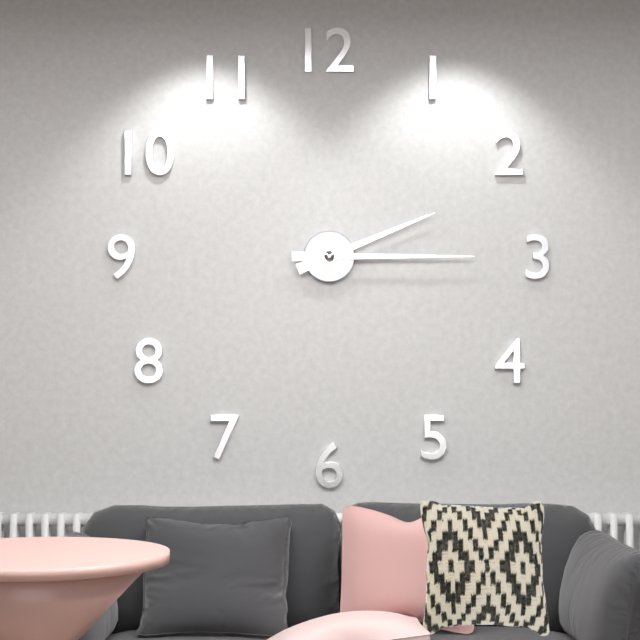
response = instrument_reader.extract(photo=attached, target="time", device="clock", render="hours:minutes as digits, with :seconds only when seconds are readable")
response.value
2:15
